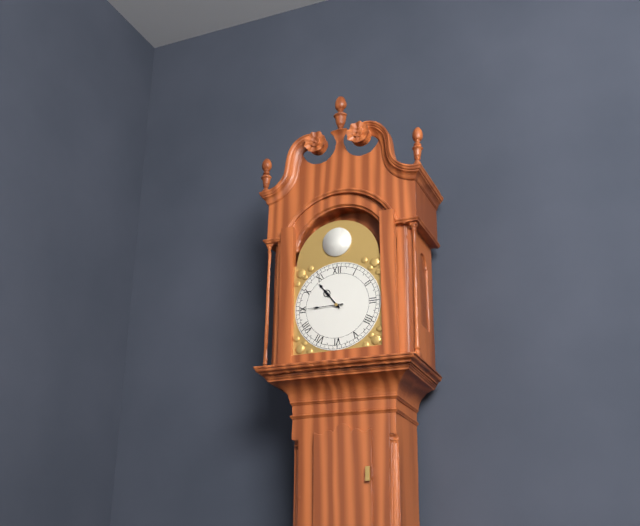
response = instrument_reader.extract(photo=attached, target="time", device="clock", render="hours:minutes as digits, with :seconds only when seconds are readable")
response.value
10:45
